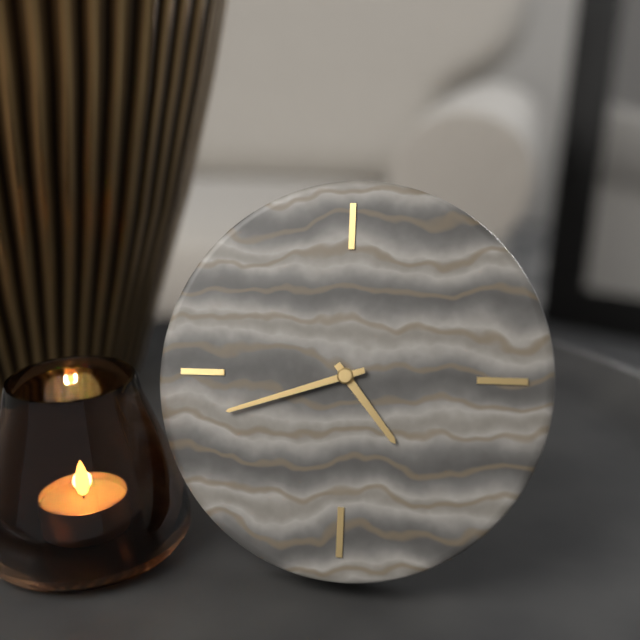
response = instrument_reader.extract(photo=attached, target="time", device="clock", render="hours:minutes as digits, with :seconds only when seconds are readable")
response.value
4:42
